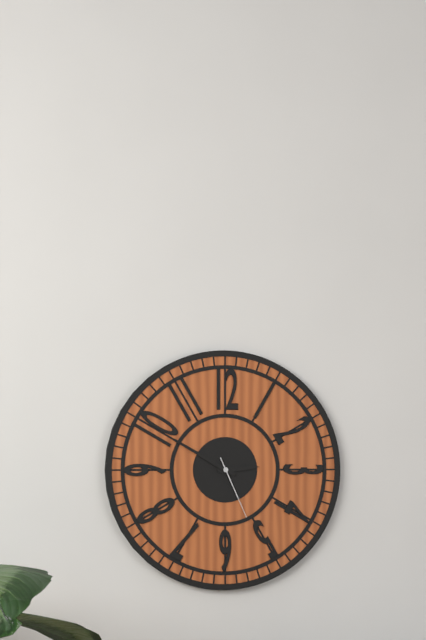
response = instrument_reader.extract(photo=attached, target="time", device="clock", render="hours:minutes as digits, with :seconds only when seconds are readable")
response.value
2:50:26
